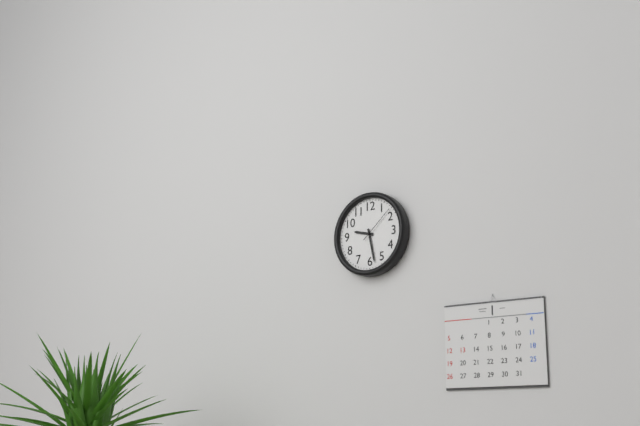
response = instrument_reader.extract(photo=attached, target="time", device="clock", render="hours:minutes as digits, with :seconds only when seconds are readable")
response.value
9:28
